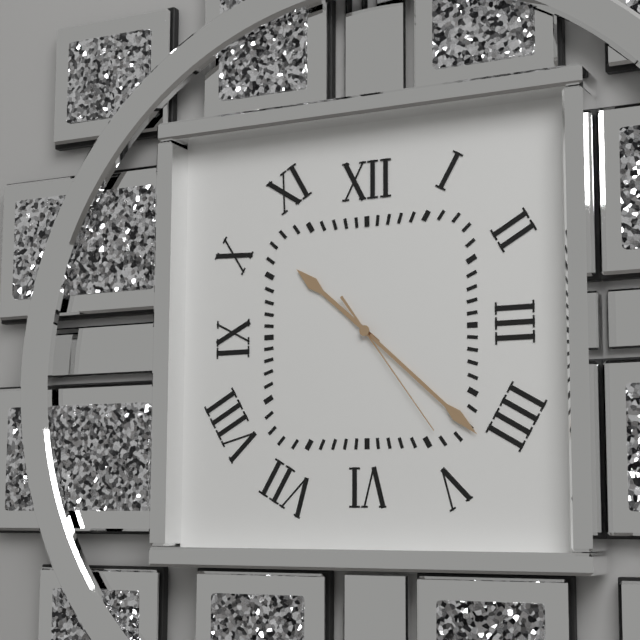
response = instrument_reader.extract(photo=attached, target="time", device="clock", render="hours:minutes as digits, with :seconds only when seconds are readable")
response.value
10:22:24
